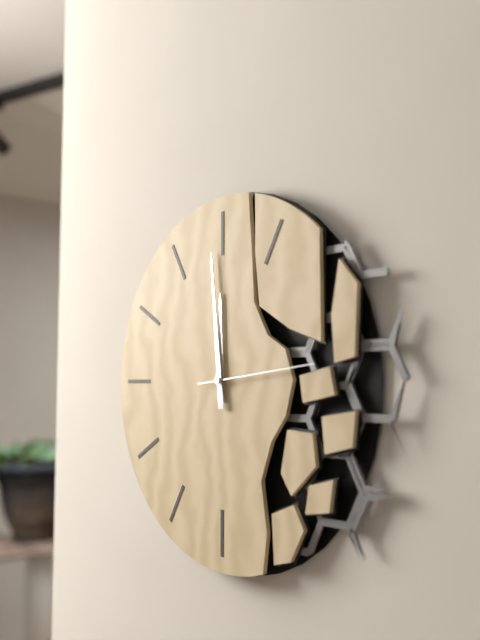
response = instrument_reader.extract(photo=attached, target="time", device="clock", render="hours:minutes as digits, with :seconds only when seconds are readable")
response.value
11:59:14
